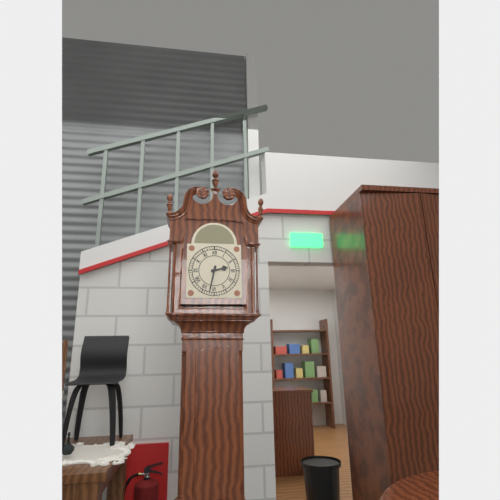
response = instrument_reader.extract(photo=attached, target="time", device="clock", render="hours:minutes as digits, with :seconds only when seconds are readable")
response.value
2:32
